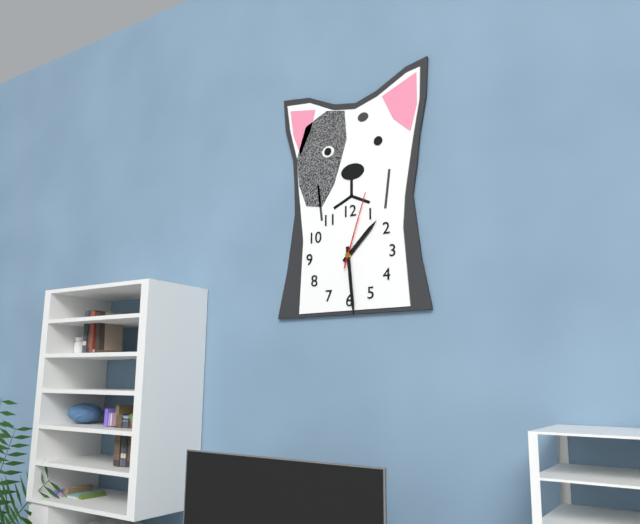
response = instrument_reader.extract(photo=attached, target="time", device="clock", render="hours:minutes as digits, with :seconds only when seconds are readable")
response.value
1:29:03
